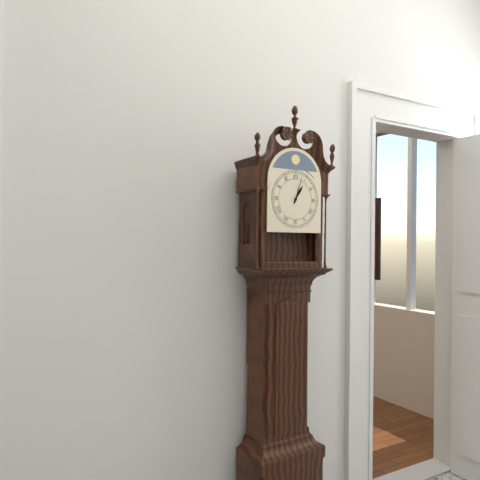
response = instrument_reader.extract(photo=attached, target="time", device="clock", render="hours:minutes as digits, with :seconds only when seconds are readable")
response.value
1:03
